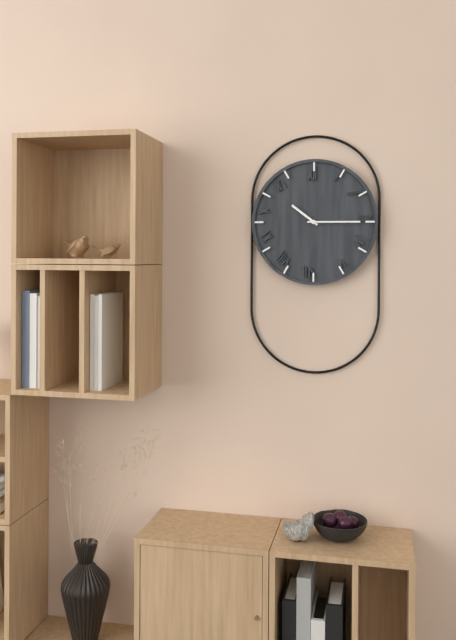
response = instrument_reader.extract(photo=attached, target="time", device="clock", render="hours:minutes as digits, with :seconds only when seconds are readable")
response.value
10:15
